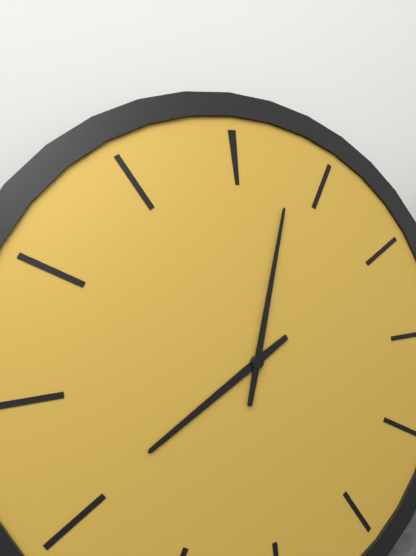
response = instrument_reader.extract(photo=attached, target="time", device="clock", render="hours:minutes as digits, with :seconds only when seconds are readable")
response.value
8:03
